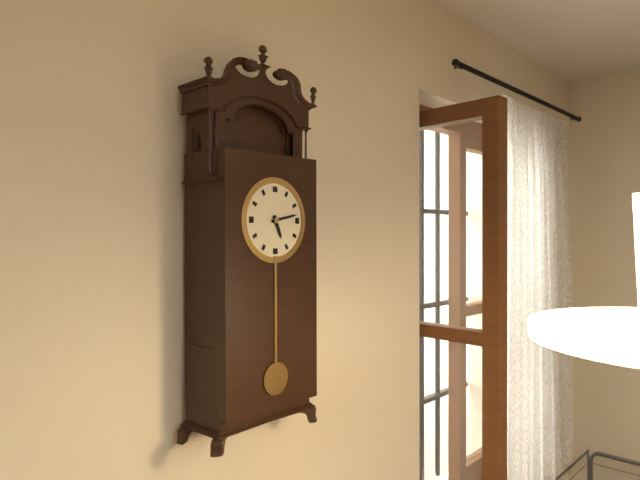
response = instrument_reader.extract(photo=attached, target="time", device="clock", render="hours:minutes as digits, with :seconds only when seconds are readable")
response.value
5:13
